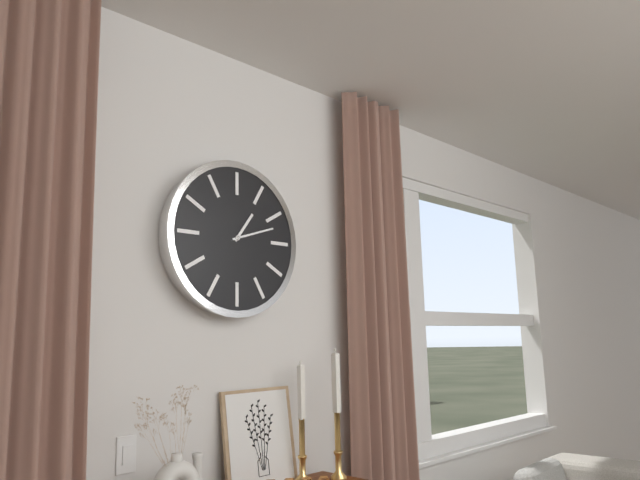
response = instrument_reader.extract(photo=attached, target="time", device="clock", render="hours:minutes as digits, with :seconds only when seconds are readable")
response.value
1:12
